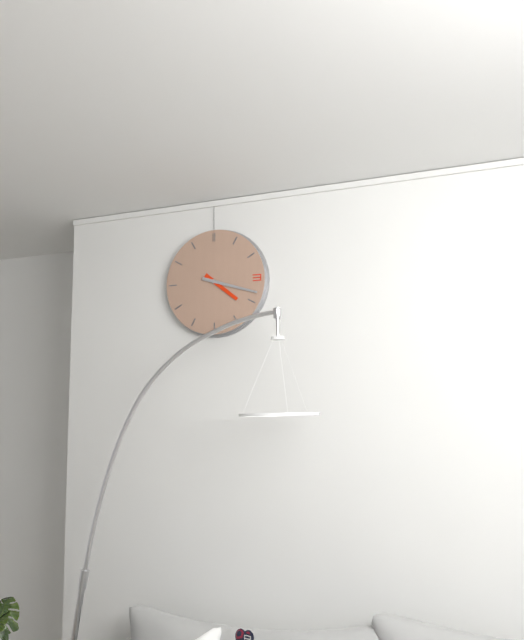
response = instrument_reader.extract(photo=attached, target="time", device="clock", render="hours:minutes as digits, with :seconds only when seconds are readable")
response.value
4:18
